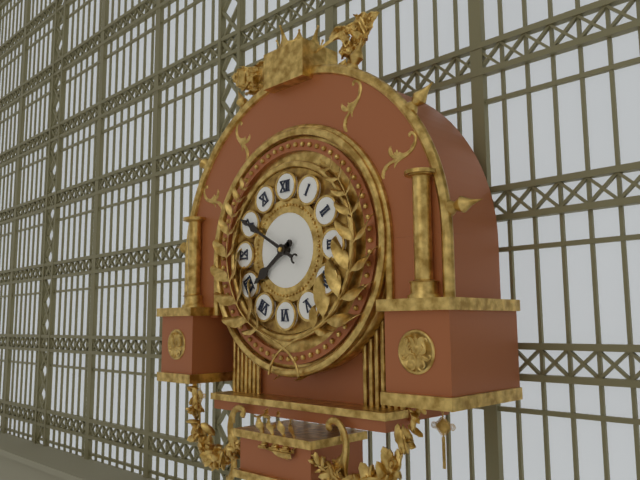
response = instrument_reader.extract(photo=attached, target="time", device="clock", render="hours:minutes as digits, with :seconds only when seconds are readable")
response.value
7:50
